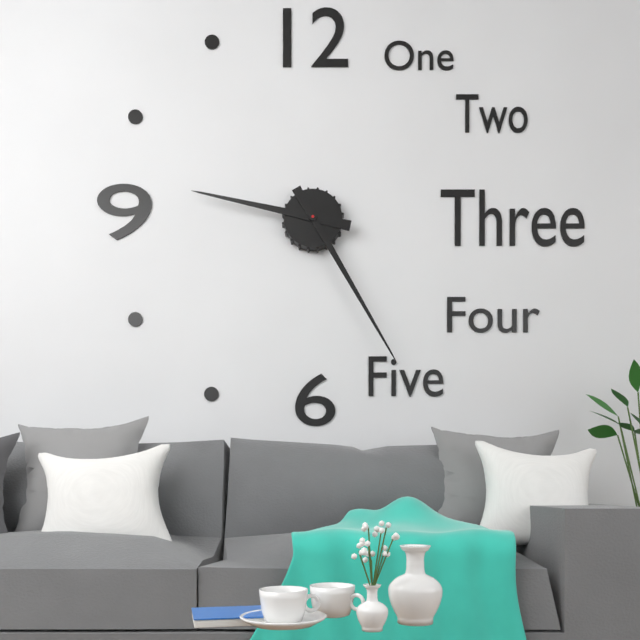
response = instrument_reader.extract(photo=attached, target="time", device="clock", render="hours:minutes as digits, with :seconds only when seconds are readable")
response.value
9:25
